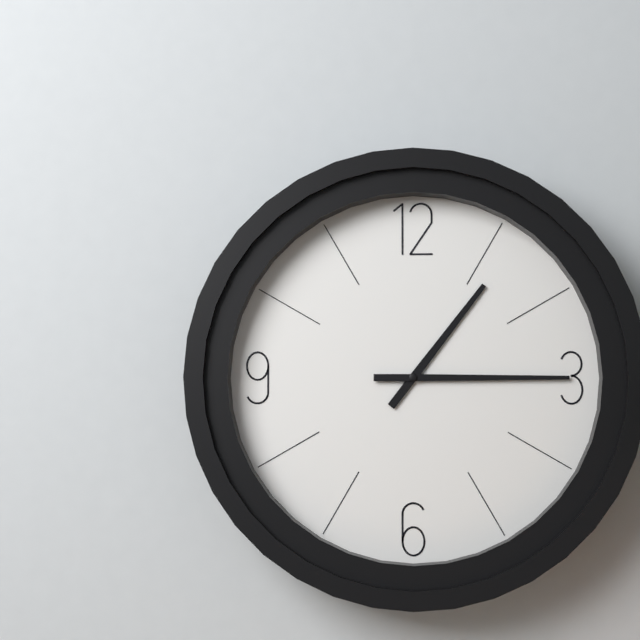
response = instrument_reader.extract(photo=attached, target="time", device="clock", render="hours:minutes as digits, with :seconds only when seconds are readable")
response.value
1:15
